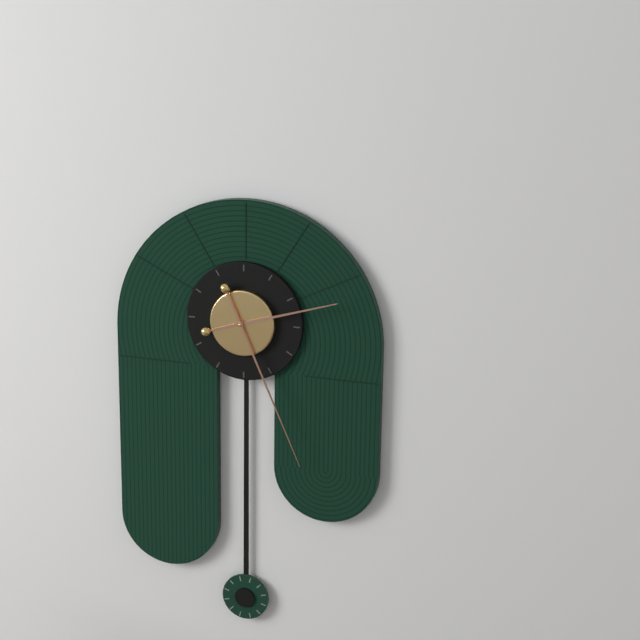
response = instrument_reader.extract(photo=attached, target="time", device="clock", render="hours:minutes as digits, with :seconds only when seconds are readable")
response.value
2:26
